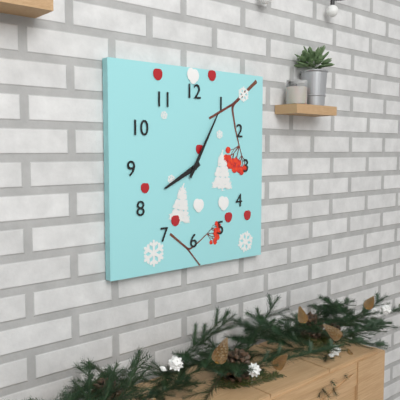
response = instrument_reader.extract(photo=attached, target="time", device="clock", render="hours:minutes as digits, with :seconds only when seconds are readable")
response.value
8:05
